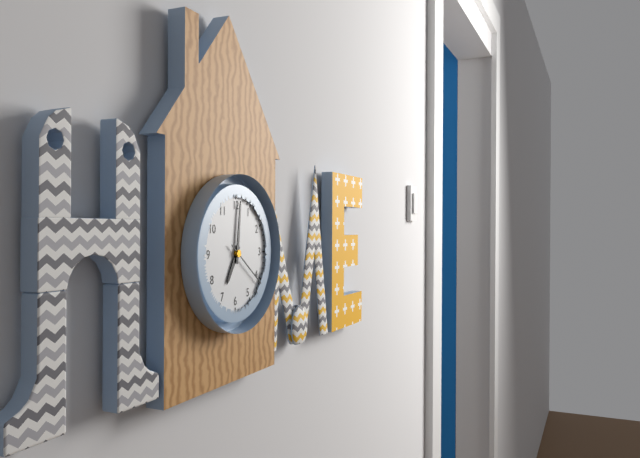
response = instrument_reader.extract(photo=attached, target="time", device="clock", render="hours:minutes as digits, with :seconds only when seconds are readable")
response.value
7:01
